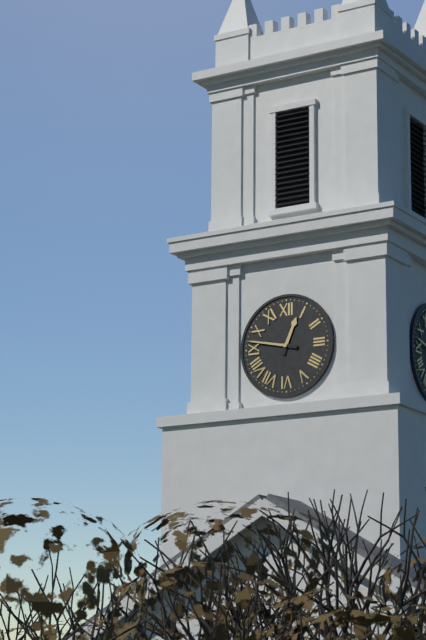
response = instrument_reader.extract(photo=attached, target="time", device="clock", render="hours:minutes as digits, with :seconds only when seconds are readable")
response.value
12:47
